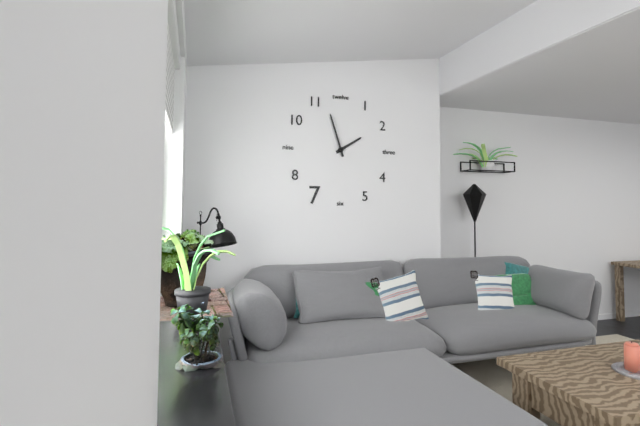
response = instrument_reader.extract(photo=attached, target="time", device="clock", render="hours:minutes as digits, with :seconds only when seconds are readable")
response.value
1:57
